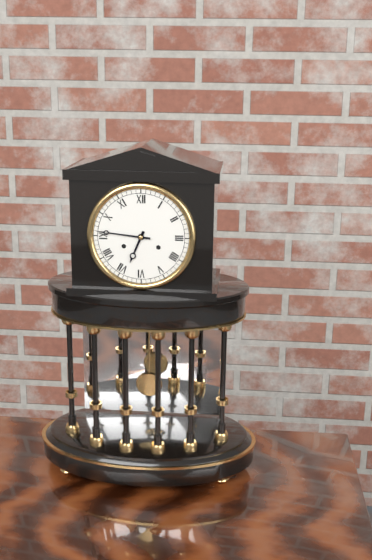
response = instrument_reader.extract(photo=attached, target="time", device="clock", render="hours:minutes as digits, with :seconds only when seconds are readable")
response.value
6:46
